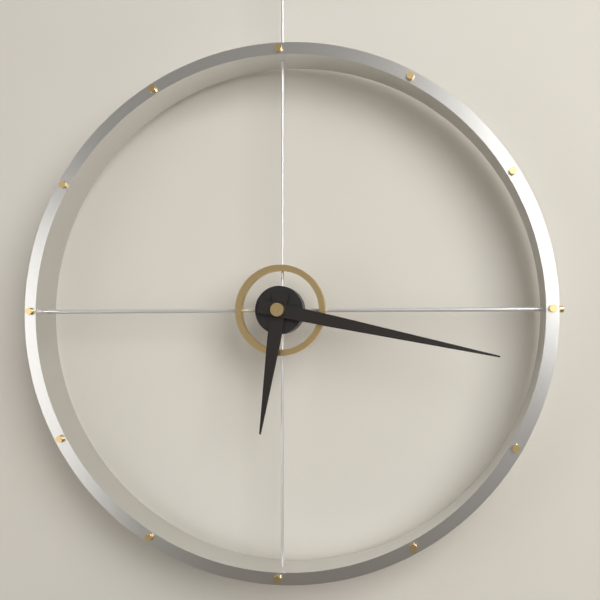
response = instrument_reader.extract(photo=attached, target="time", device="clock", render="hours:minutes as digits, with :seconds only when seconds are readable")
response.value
6:17
